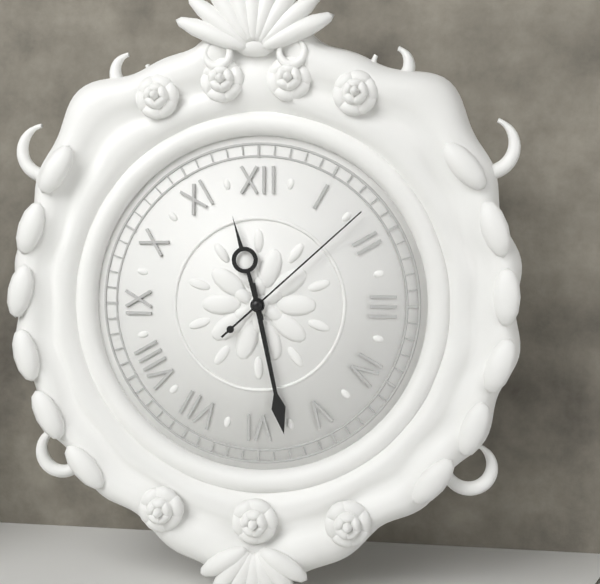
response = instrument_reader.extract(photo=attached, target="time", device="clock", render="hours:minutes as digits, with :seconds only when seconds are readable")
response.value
11:28:08
